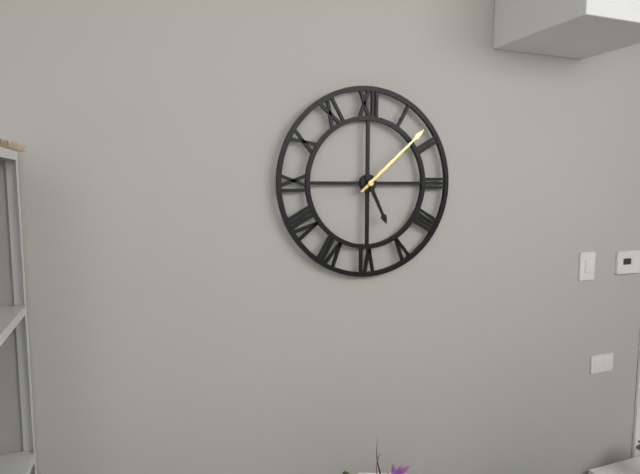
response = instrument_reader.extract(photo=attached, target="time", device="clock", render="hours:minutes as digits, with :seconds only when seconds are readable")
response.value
5:08
